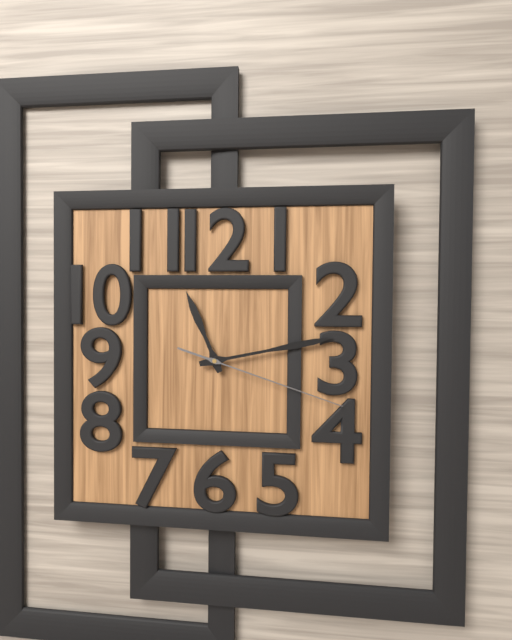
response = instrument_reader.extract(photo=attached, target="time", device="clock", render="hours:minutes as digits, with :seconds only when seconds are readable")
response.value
11:13:18
